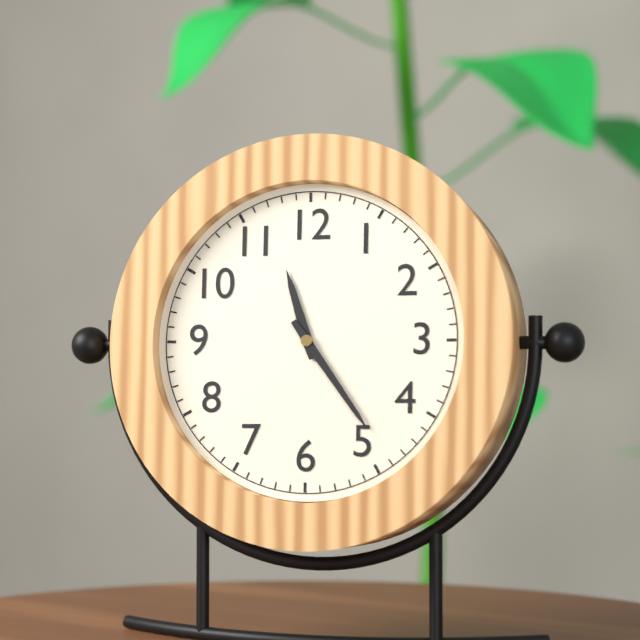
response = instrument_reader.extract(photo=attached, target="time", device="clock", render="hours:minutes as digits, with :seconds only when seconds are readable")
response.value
11:24
